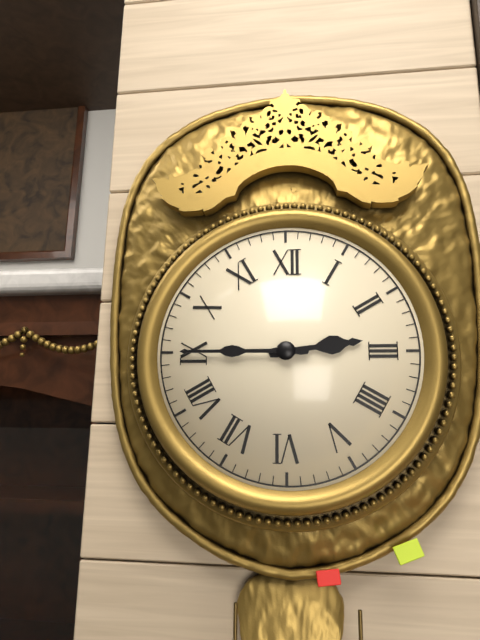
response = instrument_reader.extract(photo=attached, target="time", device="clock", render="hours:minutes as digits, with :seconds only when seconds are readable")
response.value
2:45
